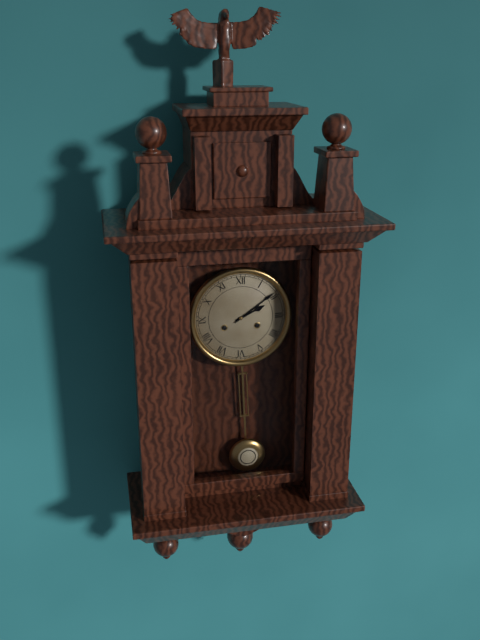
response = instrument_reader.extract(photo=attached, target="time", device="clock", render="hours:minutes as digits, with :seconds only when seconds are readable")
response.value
2:09
